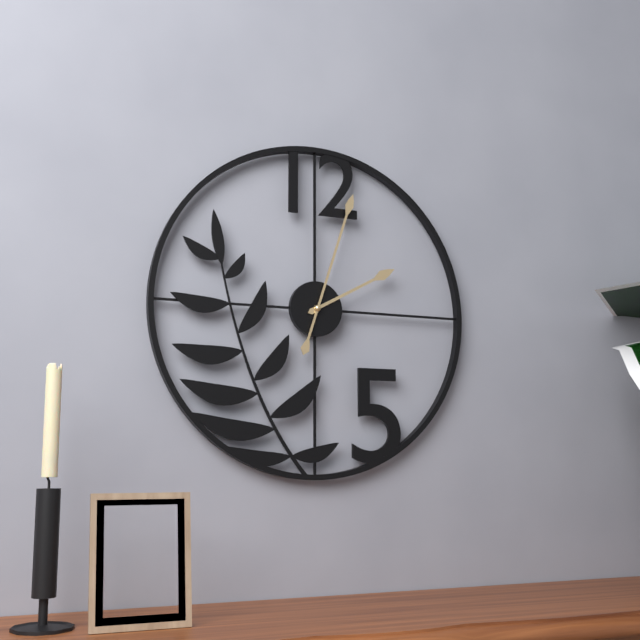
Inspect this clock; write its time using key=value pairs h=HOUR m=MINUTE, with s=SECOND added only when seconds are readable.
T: h=2 m=3
